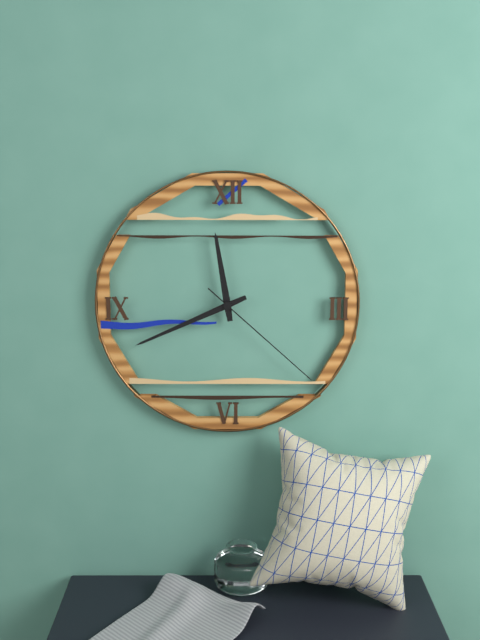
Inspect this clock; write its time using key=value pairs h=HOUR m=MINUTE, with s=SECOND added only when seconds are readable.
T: h=11 m=41 s=22
